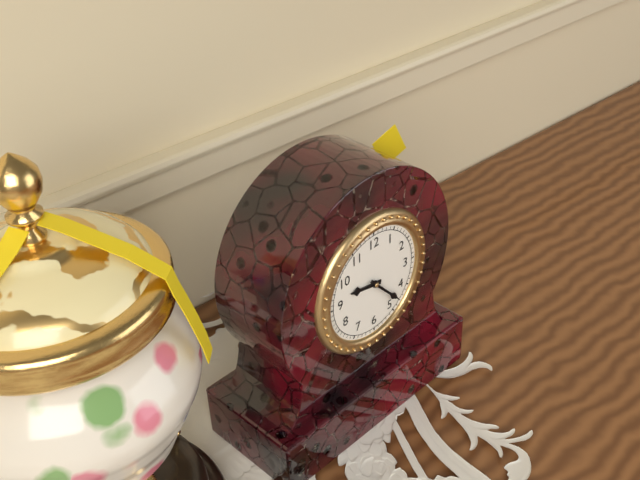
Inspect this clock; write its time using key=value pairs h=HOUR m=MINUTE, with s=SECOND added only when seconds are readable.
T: h=9 m=23
